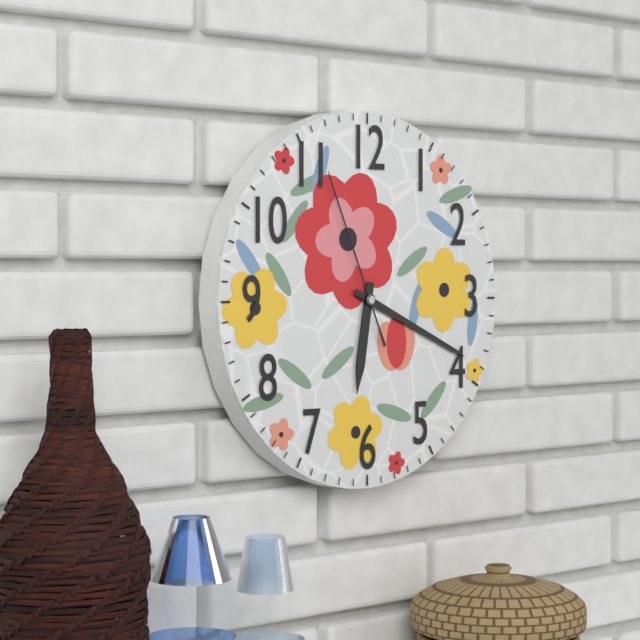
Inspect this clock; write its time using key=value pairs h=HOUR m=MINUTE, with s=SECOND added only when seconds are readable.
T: h=6 m=19 s=56
